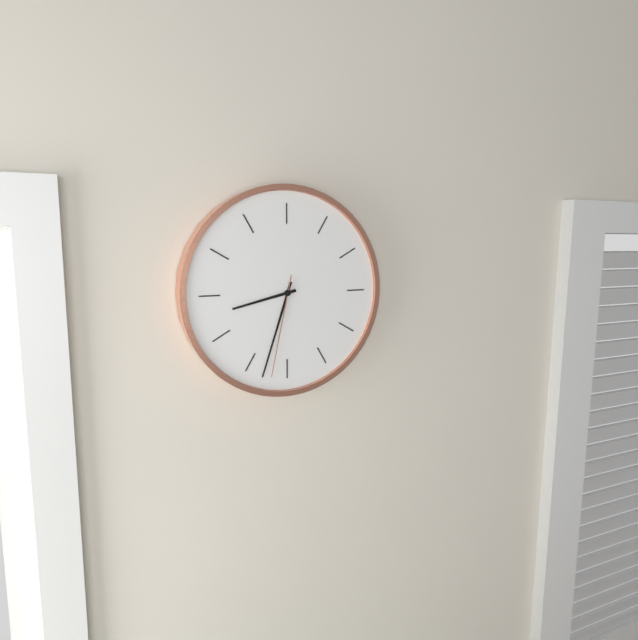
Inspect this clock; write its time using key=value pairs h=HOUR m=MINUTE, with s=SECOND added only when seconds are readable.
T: h=8 m=33 s=32
